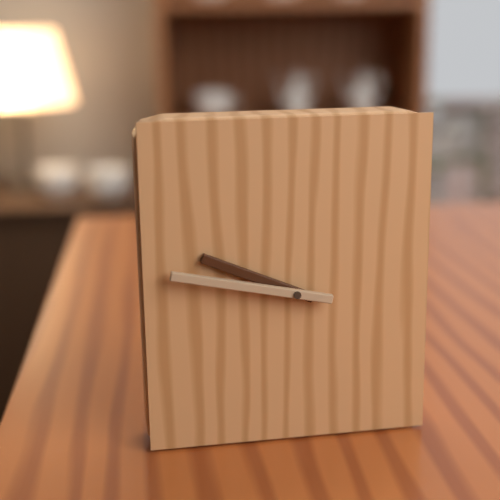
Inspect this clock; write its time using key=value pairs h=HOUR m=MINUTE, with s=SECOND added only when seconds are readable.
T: h=9 m=47
